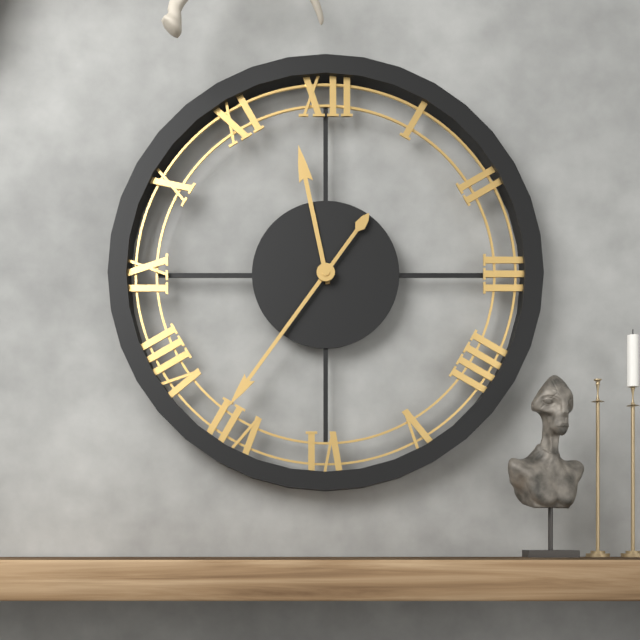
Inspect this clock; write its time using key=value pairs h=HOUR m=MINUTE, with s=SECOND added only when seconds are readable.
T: h=11 m=36
